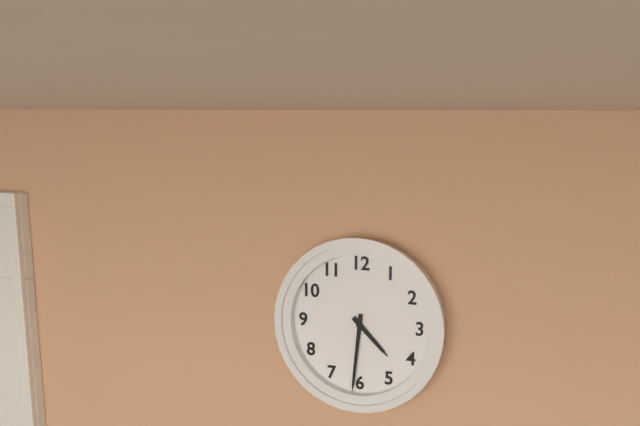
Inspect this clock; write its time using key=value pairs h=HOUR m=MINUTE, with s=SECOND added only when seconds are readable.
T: h=4 m=31
